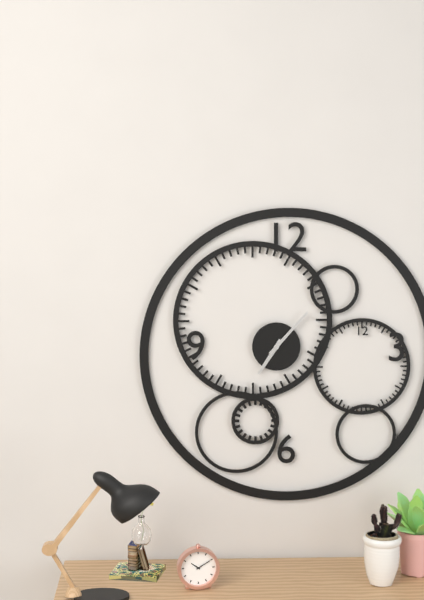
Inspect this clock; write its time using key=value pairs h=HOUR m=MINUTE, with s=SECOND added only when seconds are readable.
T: h=7 m=7
